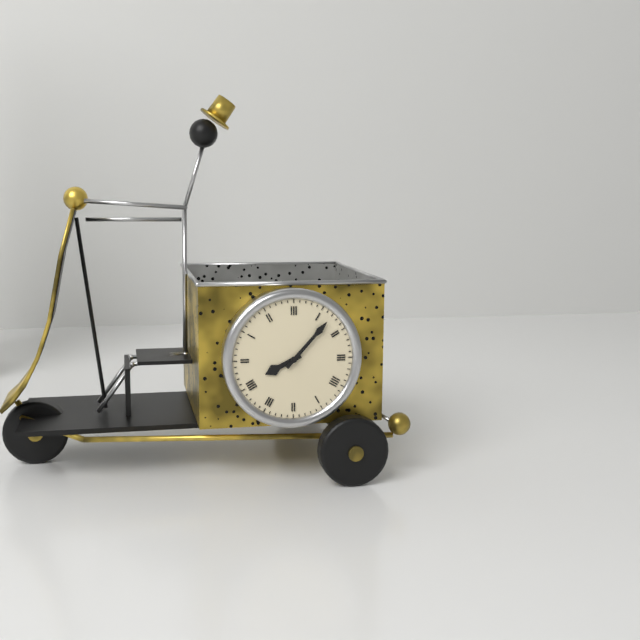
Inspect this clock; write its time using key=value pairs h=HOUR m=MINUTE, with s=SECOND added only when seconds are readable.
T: h=8 m=7
